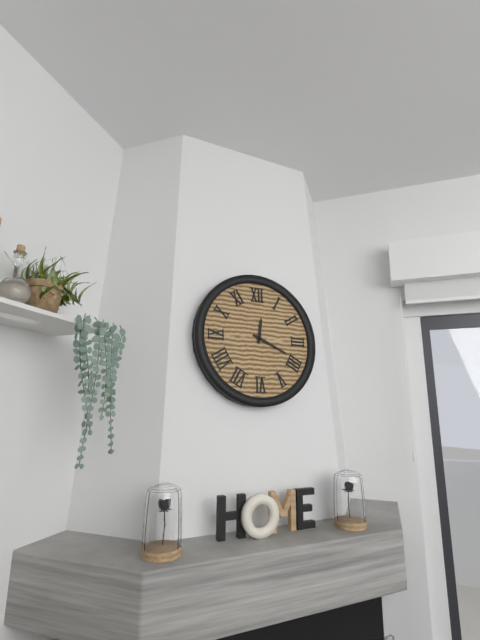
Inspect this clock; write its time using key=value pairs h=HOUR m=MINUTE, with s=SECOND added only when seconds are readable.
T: h=12 m=19
